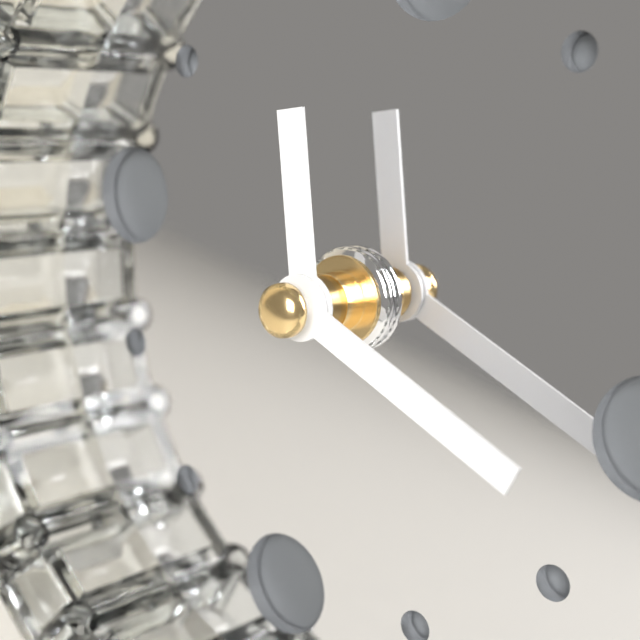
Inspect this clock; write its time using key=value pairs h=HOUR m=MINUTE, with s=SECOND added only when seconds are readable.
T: h=11 m=17
